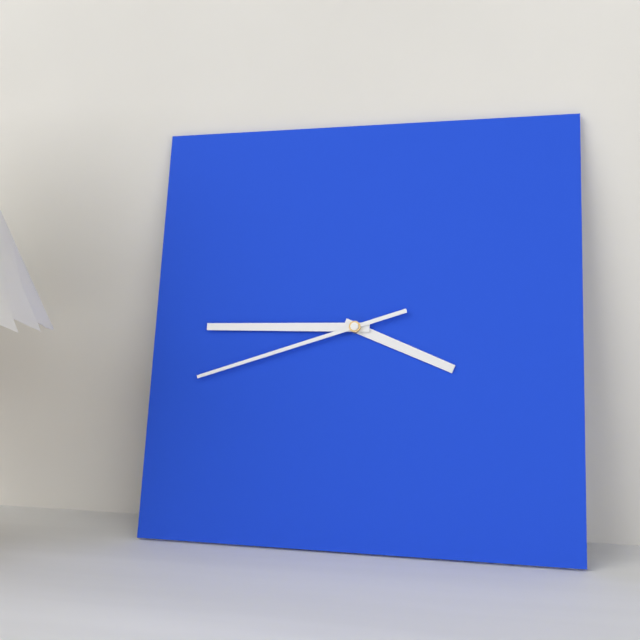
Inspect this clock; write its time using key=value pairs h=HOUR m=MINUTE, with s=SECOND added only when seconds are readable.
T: h=3 m=45 s=42
